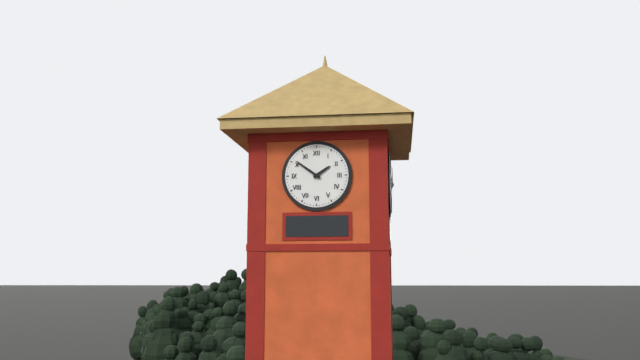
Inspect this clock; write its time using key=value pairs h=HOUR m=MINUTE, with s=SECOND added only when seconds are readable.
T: h=1 m=51
